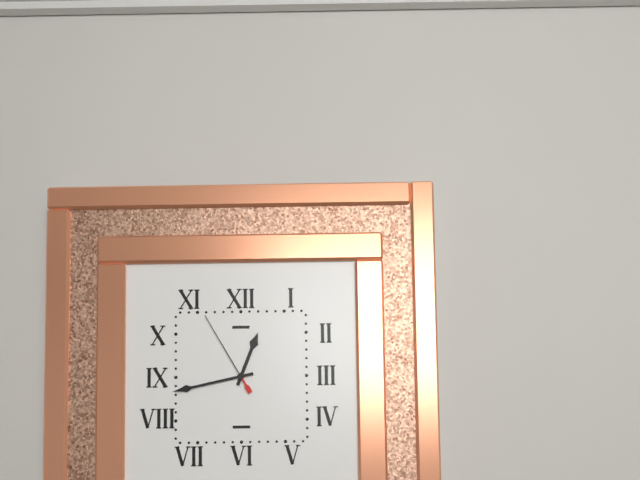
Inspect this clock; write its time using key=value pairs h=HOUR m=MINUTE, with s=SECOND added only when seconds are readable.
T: h=12 m=43 s=55
